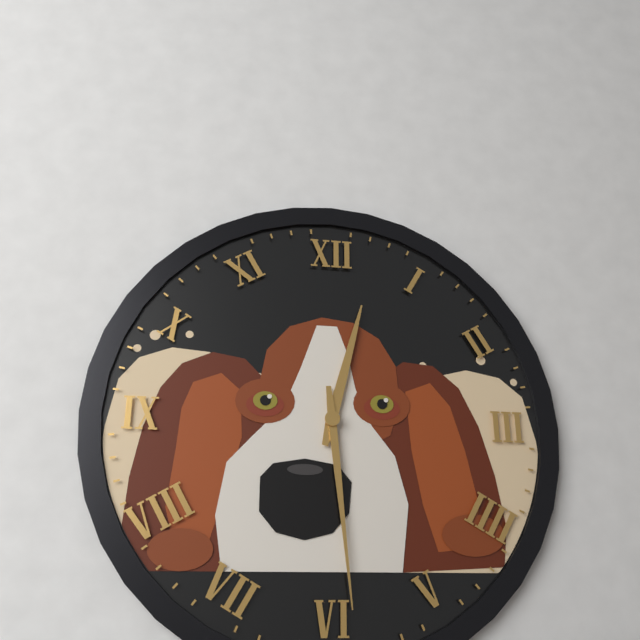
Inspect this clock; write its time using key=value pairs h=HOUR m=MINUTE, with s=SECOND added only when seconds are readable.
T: h=12 m=29
